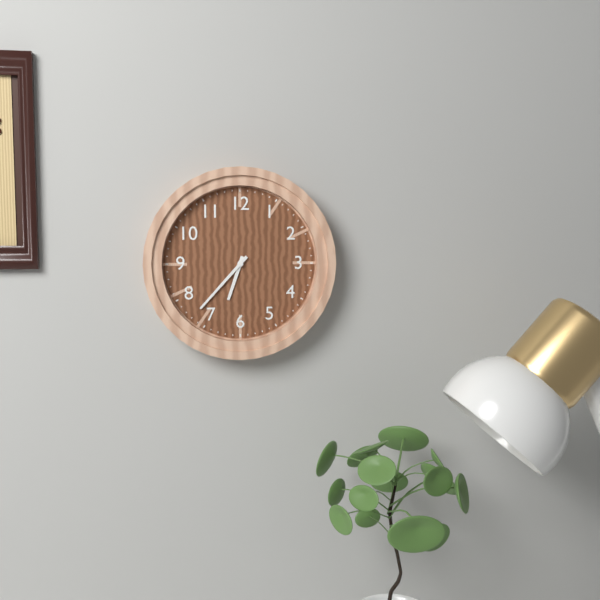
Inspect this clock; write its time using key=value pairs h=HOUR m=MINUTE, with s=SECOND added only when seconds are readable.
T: h=6 m=37
